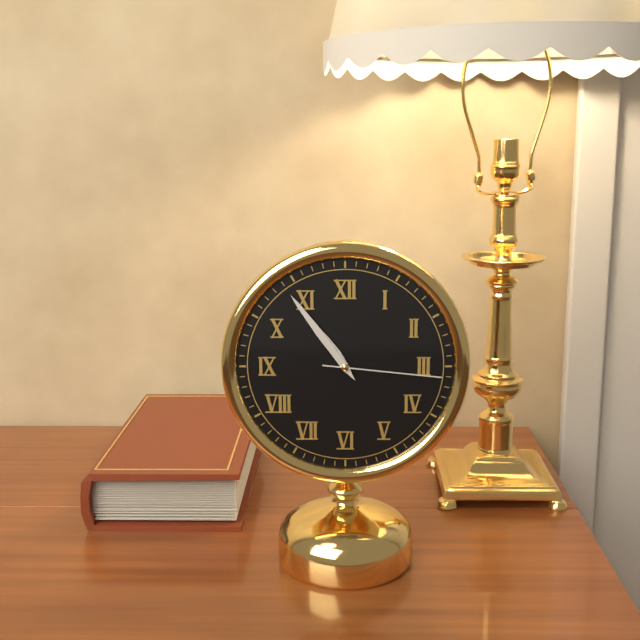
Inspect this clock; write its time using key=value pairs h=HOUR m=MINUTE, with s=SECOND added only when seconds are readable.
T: h=10 m=54 s=16
